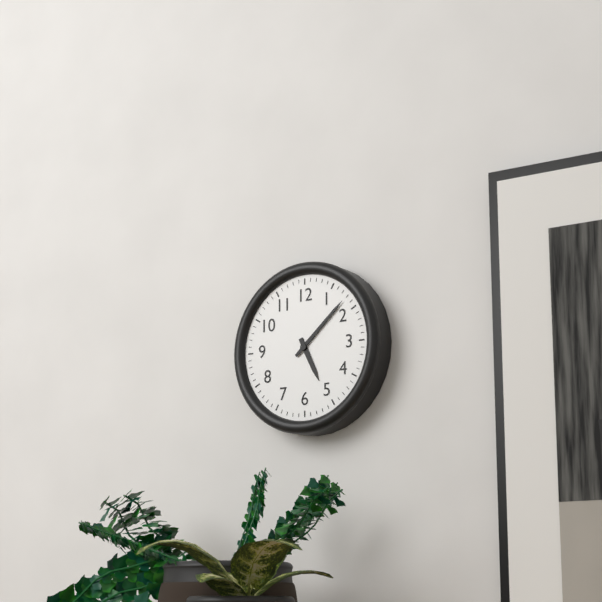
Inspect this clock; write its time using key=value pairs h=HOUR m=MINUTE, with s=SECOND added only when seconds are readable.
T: h=5 m=8
